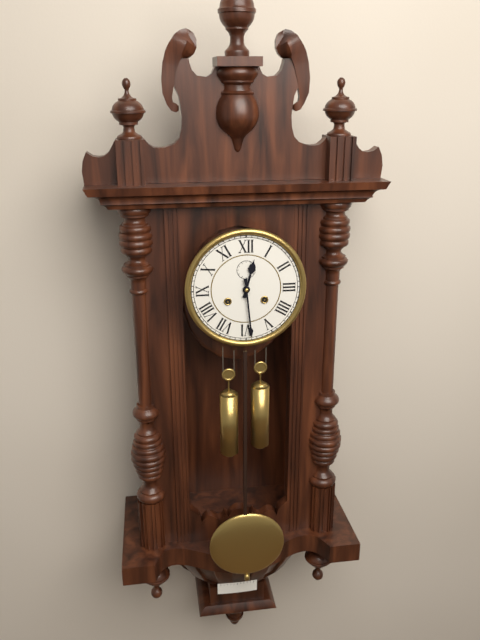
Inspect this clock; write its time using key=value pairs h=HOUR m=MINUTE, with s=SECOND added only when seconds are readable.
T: h=12 m=29
